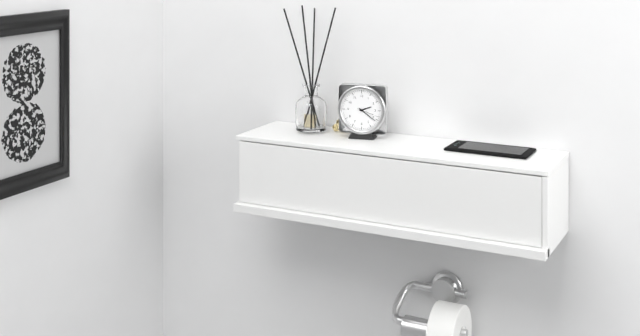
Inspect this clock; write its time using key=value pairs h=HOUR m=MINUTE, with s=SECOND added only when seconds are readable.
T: h=2 m=21
